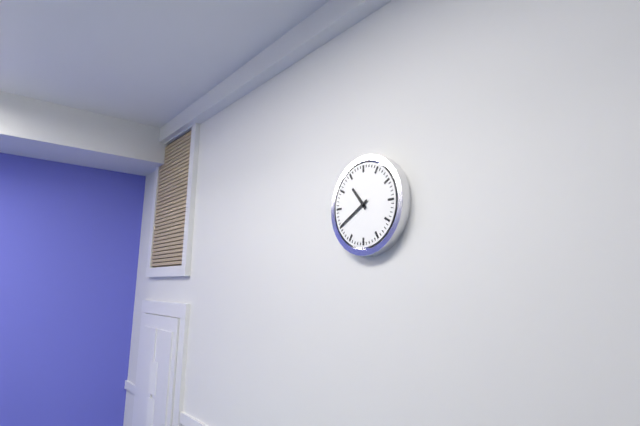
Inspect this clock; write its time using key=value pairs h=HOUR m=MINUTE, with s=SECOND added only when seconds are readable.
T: h=10 m=40
